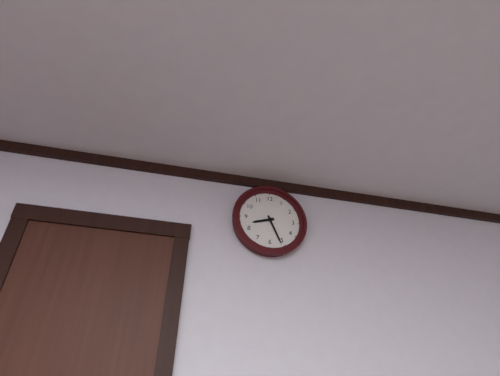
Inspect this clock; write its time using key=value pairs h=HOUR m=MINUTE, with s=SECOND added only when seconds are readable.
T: h=8 m=26
